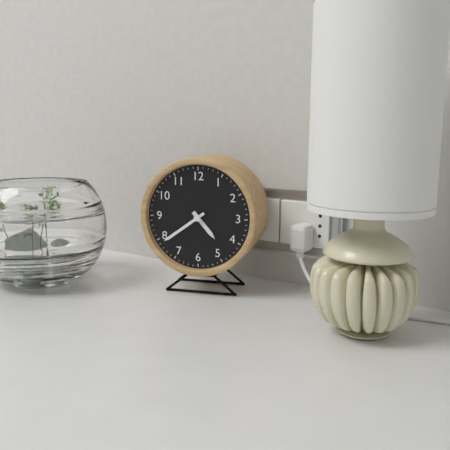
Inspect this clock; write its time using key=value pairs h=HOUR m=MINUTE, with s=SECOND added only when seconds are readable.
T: h=4 m=39
